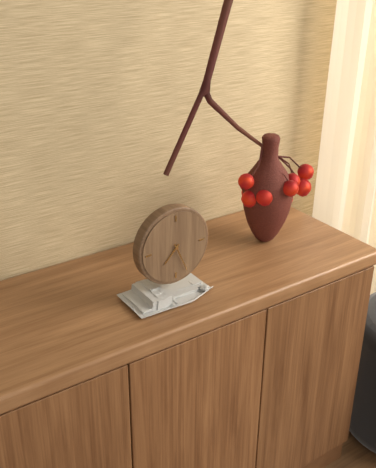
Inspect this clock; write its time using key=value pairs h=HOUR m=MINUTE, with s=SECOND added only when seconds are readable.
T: h=7 m=26
